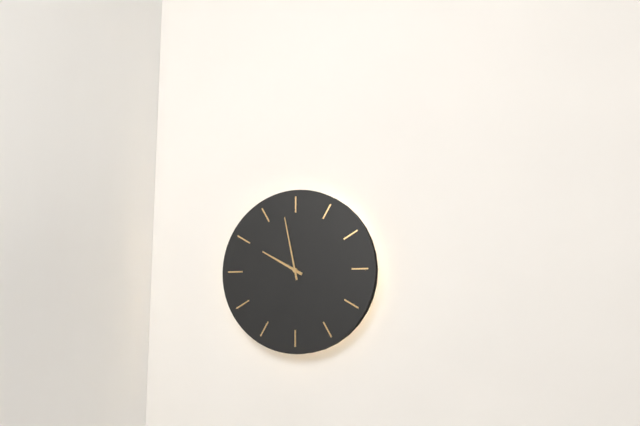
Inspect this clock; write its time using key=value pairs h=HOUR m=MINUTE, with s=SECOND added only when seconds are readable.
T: h=9 m=58
